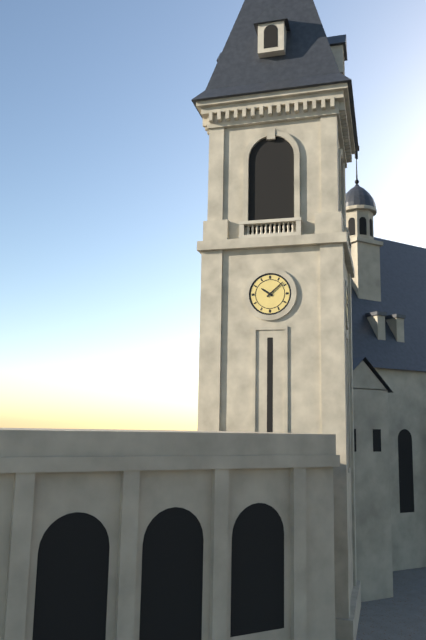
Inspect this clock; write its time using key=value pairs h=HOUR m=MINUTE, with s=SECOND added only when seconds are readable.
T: h=10 m=8
